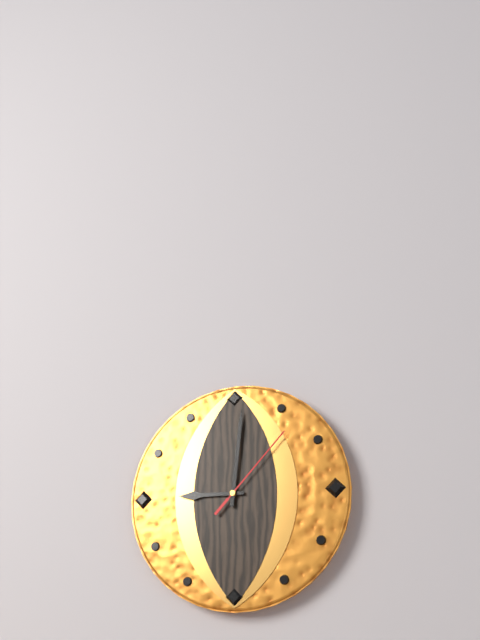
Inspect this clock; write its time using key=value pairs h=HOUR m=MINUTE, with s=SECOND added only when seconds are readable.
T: h=9 m=1 s=7
